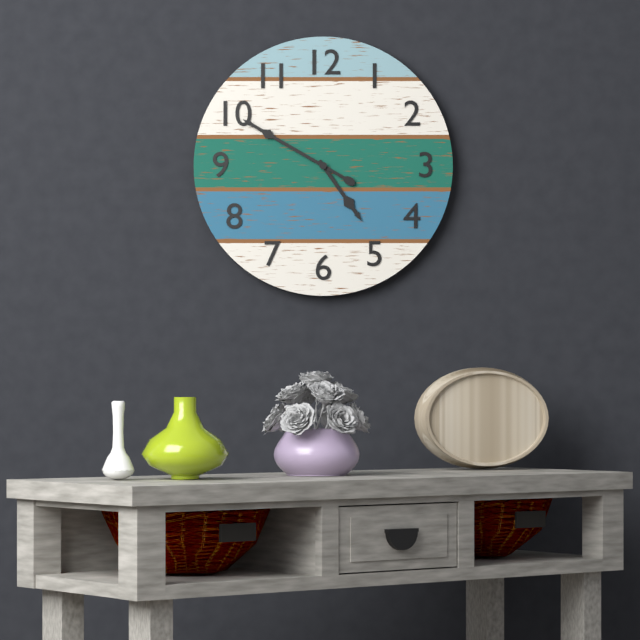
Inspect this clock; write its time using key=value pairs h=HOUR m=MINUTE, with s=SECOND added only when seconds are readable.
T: h=4 m=50
